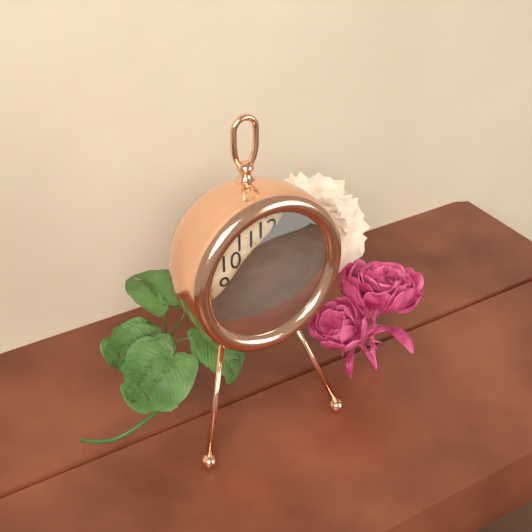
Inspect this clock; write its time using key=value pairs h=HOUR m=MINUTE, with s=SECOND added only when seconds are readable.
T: h=12 m=21
